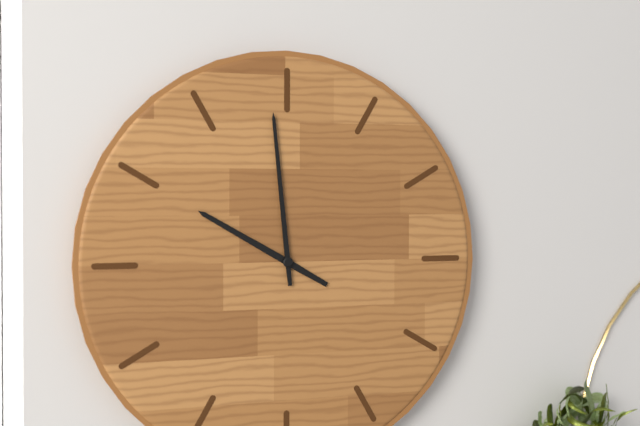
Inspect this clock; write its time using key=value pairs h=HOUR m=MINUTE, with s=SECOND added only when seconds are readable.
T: h=9 m=59
